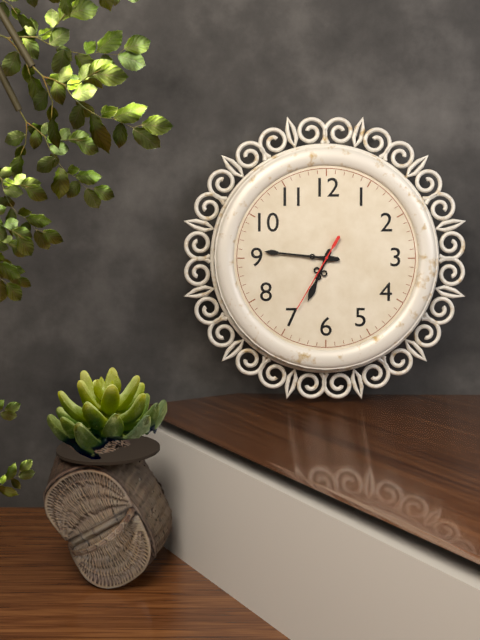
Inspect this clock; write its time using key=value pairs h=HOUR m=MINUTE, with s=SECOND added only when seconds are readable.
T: h=6 m=46 s=35
